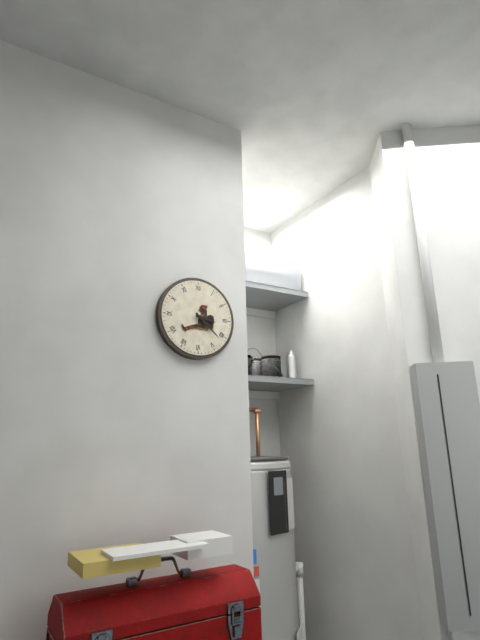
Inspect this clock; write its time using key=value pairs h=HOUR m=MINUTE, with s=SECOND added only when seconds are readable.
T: h=3 m=22
